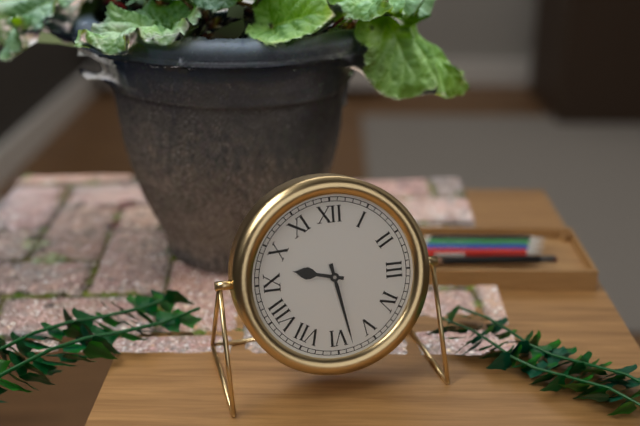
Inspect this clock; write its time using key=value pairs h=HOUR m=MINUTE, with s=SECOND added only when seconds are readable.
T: h=9 m=28
